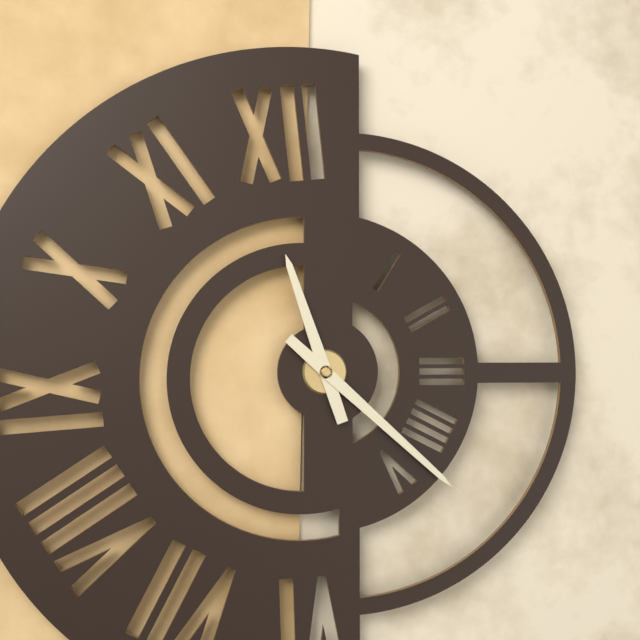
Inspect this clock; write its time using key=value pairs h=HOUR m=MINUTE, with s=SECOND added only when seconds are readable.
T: h=11 m=22
